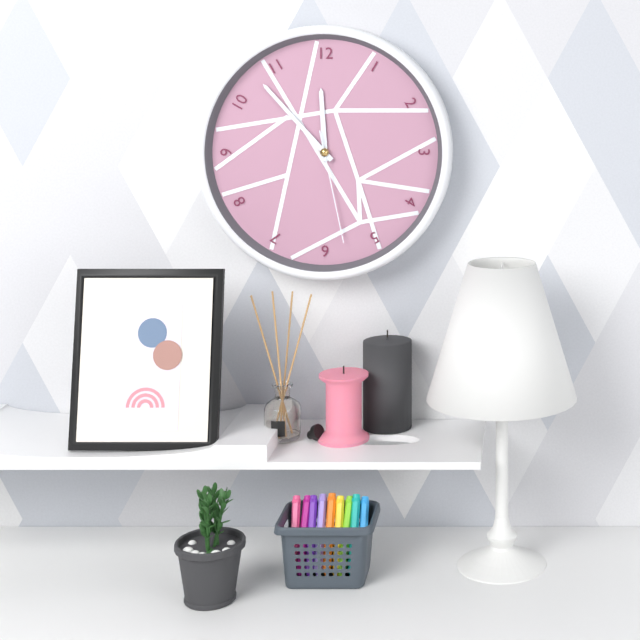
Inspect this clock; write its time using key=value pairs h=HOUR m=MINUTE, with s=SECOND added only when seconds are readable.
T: h=11 m=53 s=28
